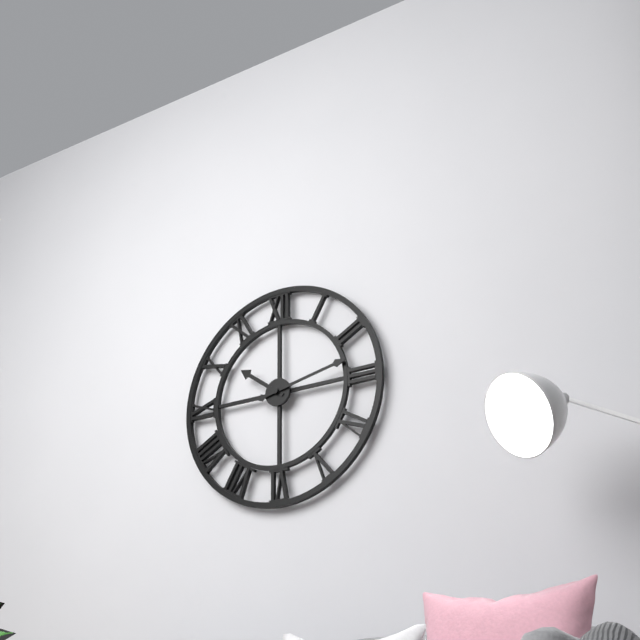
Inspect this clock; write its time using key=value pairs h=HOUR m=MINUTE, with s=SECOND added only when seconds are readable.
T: h=10 m=13
